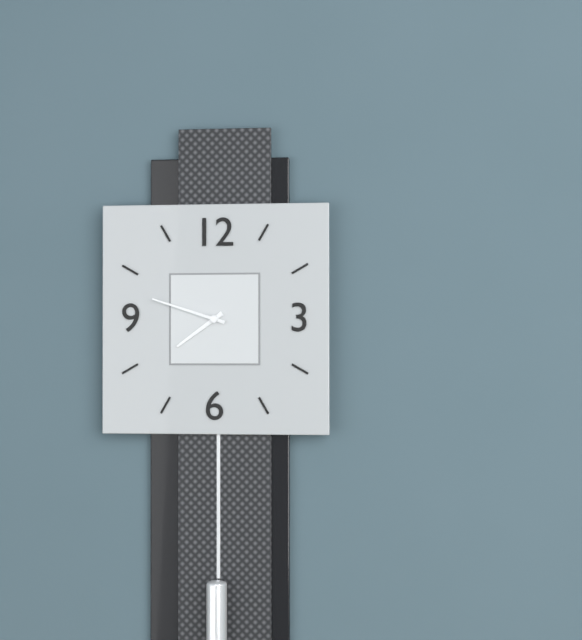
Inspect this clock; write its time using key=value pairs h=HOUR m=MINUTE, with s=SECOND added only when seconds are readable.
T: h=7 m=48
